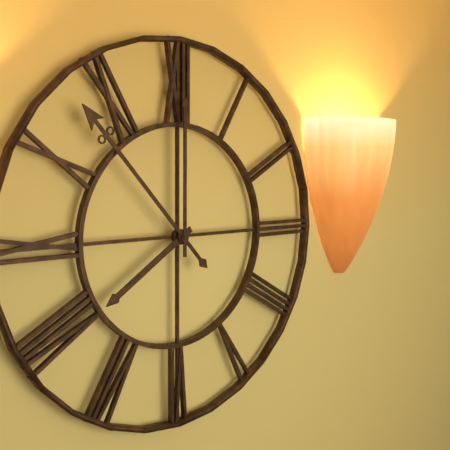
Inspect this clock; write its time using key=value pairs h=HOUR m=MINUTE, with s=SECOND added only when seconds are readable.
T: h=7 m=53 s=0
